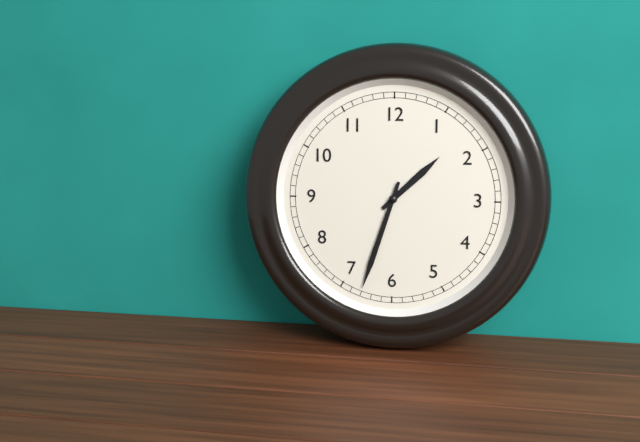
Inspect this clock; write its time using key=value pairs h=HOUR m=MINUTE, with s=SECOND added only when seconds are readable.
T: h=1 m=33
